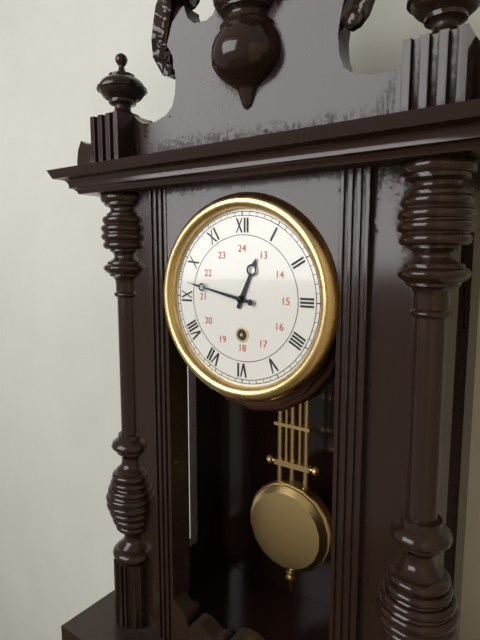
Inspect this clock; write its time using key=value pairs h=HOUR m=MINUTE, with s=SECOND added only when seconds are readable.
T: h=12 m=47
